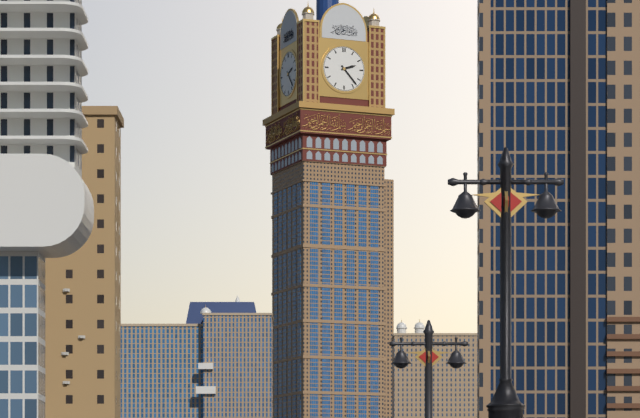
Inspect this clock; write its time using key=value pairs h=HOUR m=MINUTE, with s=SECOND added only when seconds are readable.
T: h=2 m=23
